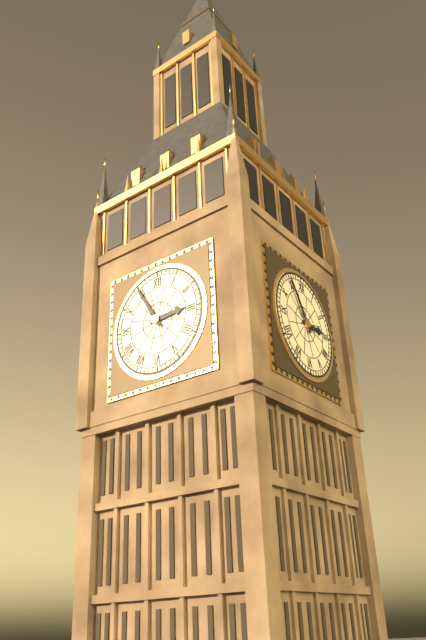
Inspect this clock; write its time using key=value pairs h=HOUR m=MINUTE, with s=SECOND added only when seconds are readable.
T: h=2 m=55
